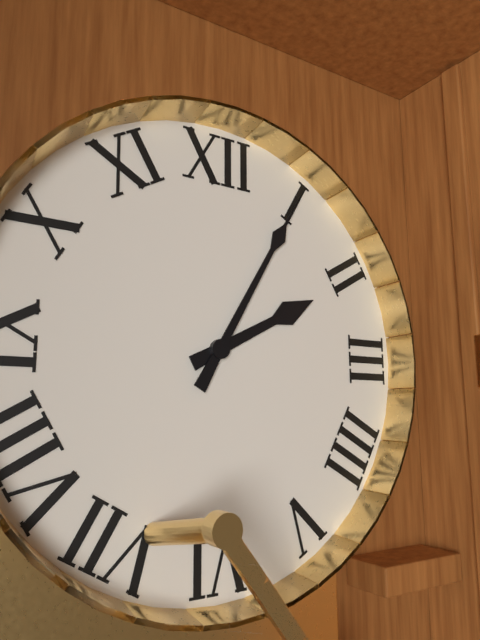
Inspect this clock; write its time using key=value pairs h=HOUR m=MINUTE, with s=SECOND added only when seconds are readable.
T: h=2 m=5
